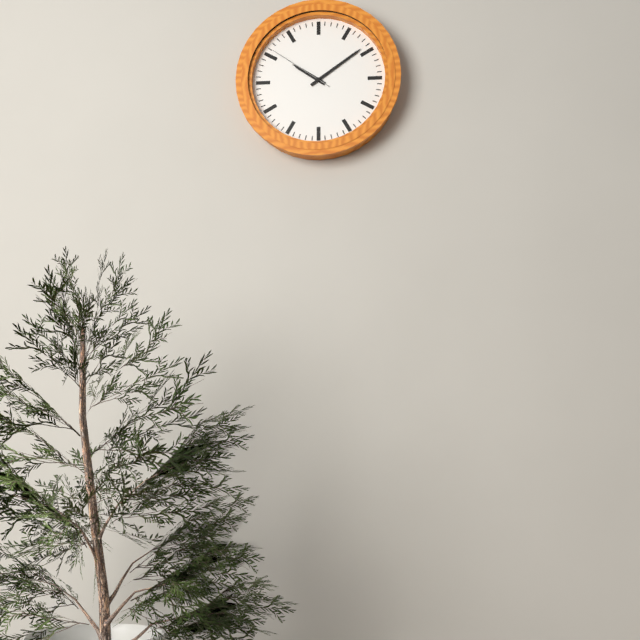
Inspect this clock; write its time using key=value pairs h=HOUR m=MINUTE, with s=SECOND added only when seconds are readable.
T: h=10 m=9 s=51
